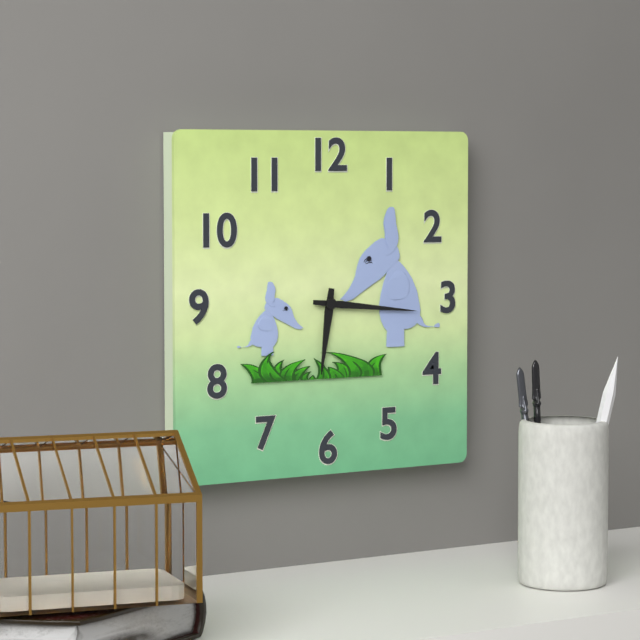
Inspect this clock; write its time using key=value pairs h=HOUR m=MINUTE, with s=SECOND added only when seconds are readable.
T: h=6 m=16
